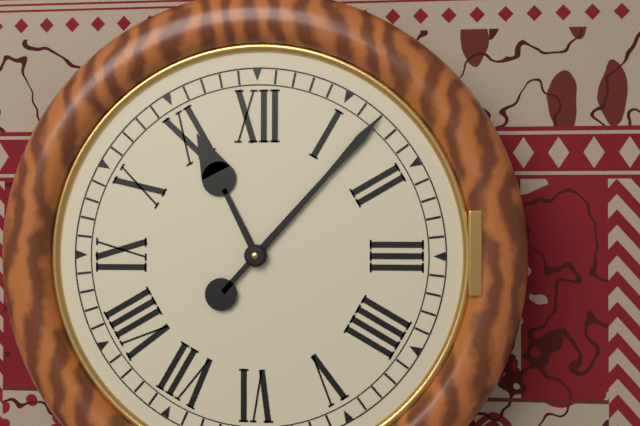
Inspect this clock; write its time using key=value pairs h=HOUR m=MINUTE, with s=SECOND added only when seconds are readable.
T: h=11 m=7
